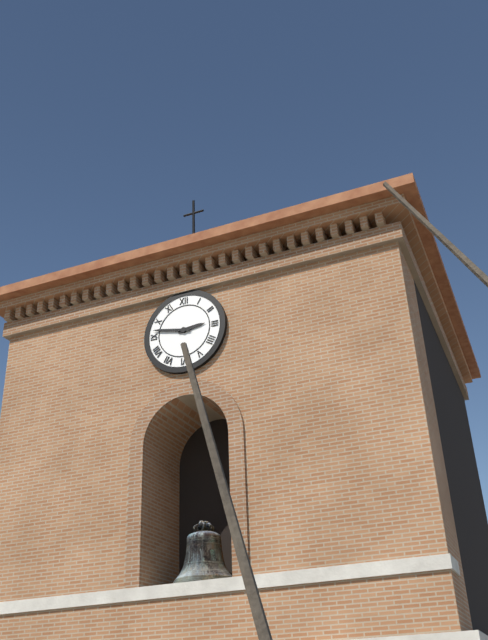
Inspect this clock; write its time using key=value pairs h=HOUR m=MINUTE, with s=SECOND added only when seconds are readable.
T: h=2 m=47
